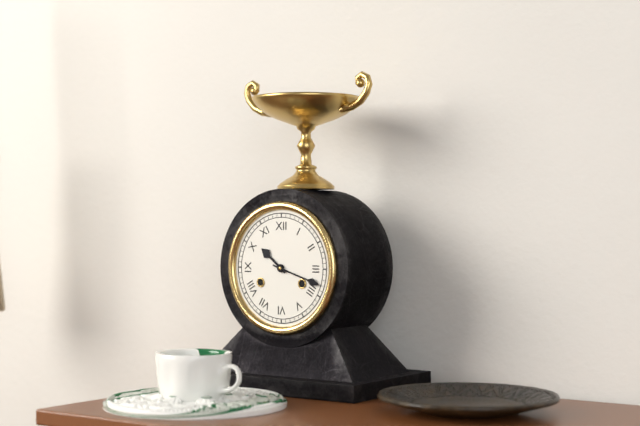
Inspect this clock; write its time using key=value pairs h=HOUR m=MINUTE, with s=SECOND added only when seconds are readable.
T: h=10 m=18
